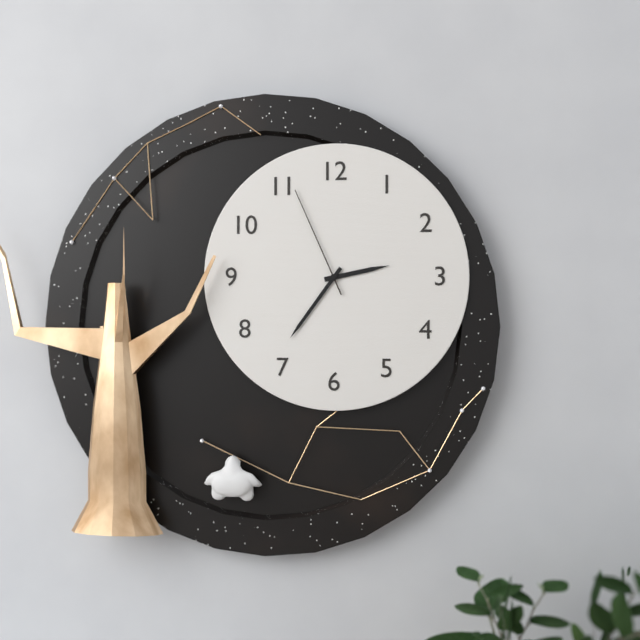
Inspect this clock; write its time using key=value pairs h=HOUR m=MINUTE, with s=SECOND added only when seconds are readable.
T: h=2 m=36 s=56
